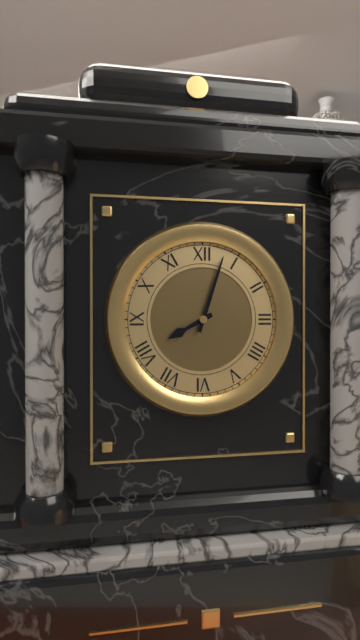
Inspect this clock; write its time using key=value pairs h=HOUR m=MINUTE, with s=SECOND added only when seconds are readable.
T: h=8 m=3
